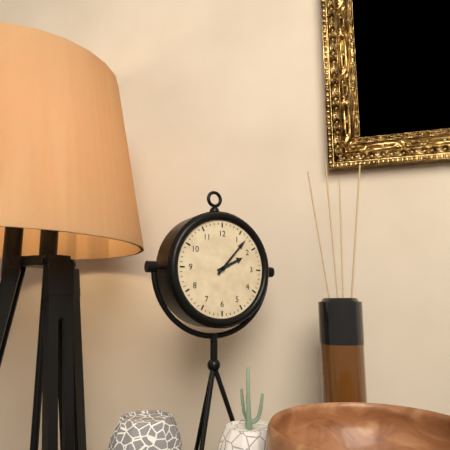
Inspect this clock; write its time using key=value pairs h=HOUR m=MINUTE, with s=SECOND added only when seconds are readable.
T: h=2 m=7
